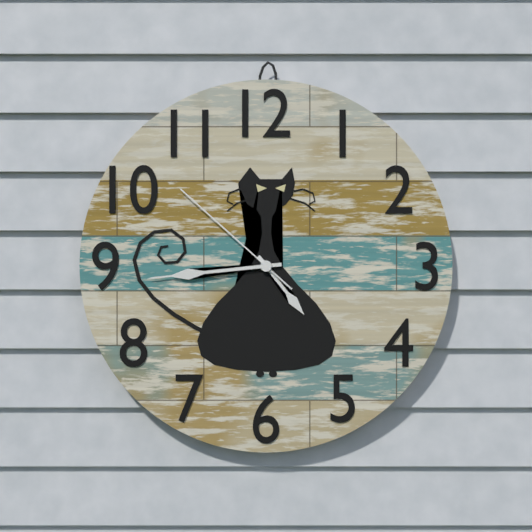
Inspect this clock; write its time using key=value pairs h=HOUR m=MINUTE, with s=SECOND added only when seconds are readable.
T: h=4 m=44 s=52
